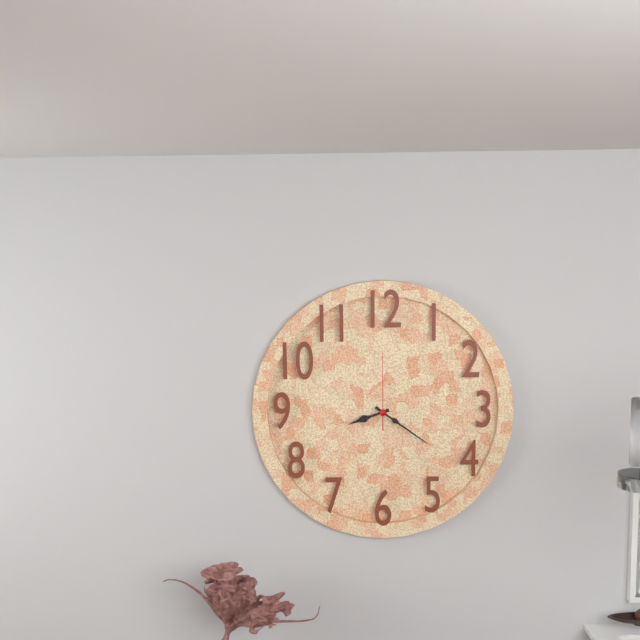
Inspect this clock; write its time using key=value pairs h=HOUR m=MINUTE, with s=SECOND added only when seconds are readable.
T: h=8 m=21 s=0
